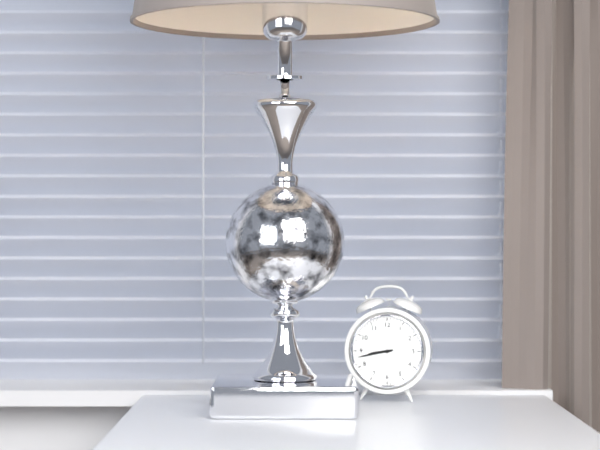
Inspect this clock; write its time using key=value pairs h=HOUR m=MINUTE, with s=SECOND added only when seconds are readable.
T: h=8 m=43
